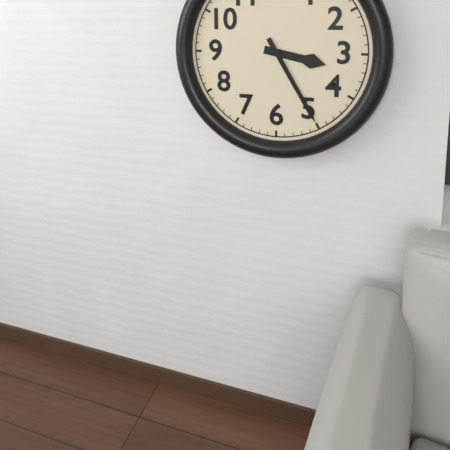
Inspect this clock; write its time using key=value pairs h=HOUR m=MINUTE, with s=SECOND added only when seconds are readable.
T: h=3 m=25
